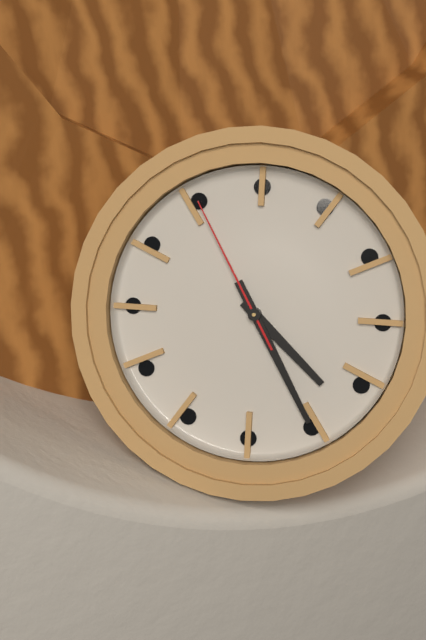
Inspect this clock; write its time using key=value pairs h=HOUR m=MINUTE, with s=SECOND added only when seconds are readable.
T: h=4 m=25 s=55
